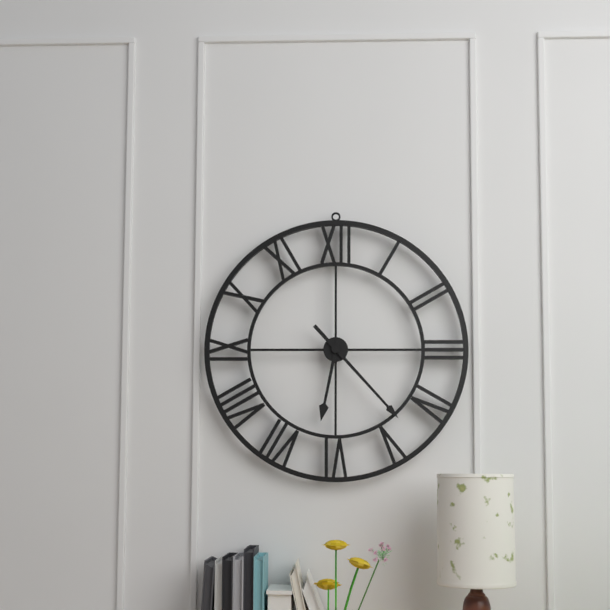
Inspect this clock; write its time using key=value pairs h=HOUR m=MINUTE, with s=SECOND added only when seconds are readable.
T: h=6 m=23
